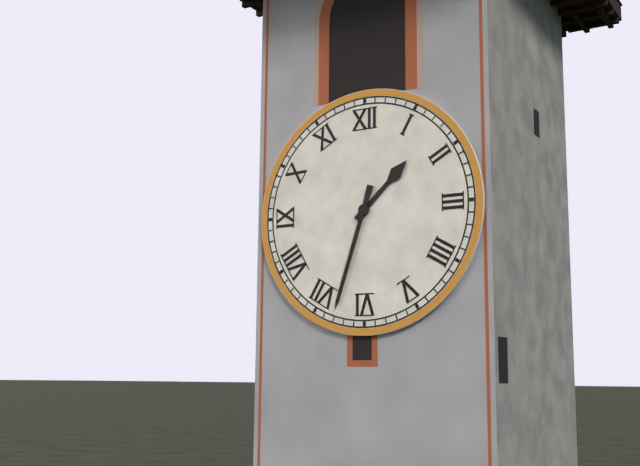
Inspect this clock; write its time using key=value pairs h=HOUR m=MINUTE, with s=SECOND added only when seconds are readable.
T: h=1 m=33
